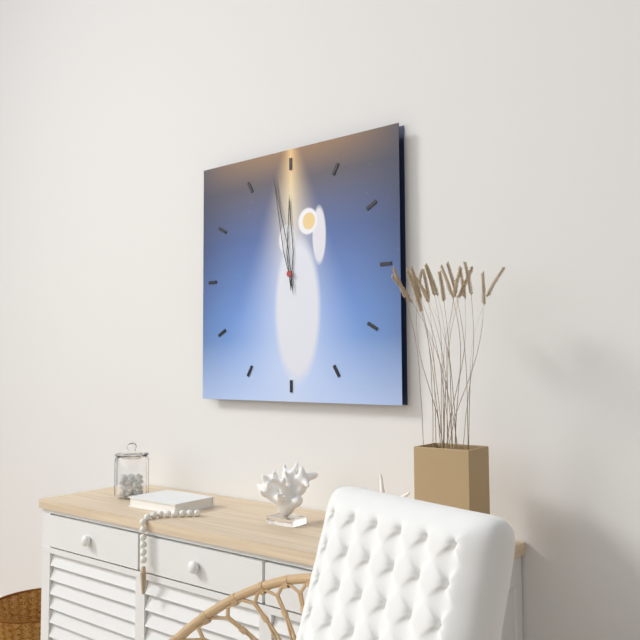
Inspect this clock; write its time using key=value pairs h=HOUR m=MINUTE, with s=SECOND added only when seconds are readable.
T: h=11 m=58
